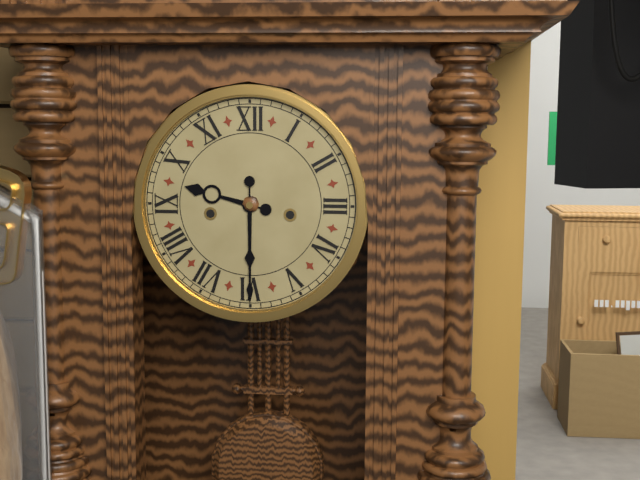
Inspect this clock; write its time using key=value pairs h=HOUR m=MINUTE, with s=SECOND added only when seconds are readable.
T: h=9 m=30
